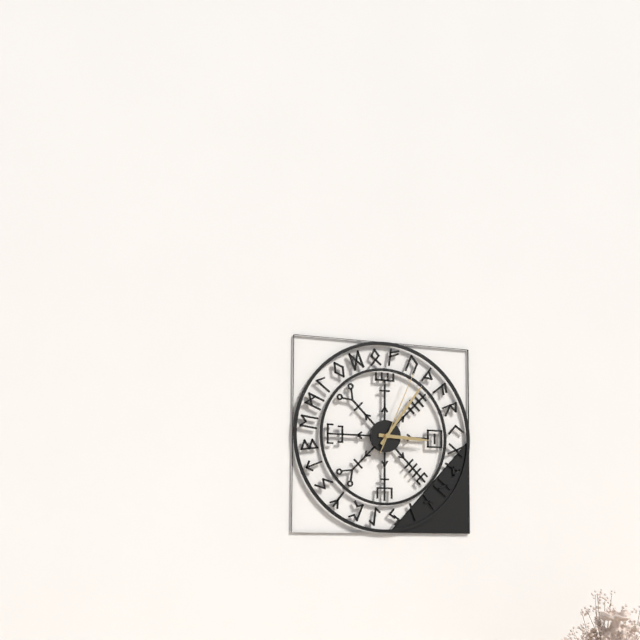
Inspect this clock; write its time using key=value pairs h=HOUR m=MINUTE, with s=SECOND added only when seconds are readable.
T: h=3 m=6 s=4
